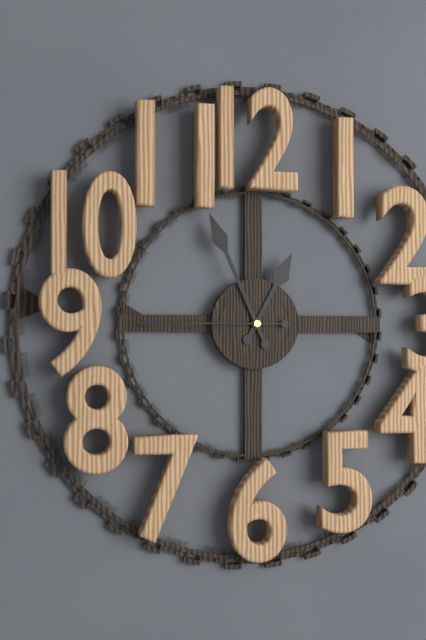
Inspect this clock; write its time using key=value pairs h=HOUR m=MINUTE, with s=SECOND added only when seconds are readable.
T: h=12 m=56 s=45
